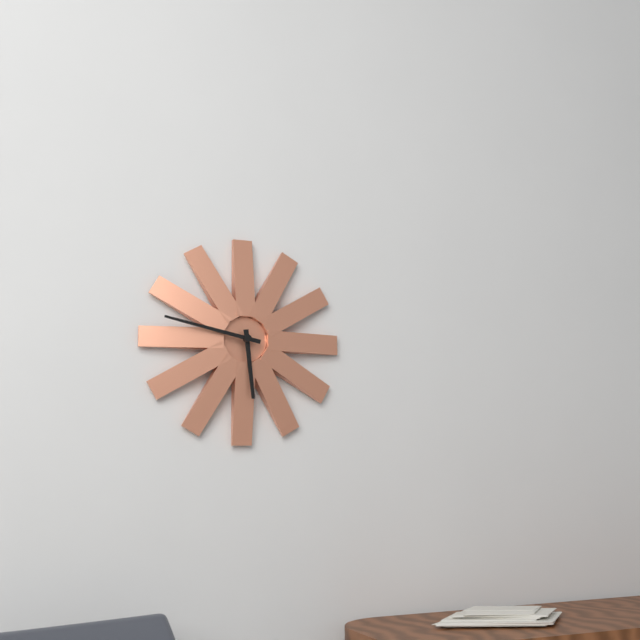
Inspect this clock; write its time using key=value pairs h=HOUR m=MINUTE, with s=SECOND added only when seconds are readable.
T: h=5 m=47
